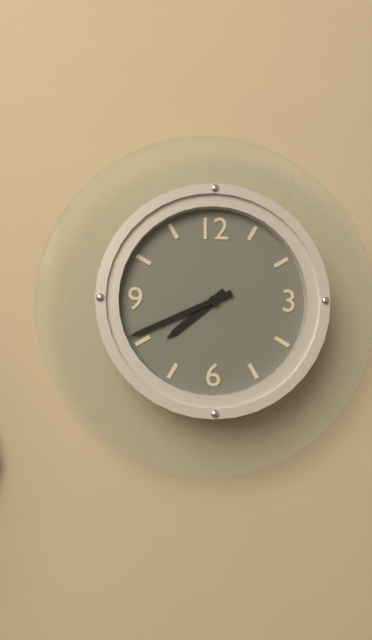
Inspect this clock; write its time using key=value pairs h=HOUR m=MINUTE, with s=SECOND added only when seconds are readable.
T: h=7 m=41
